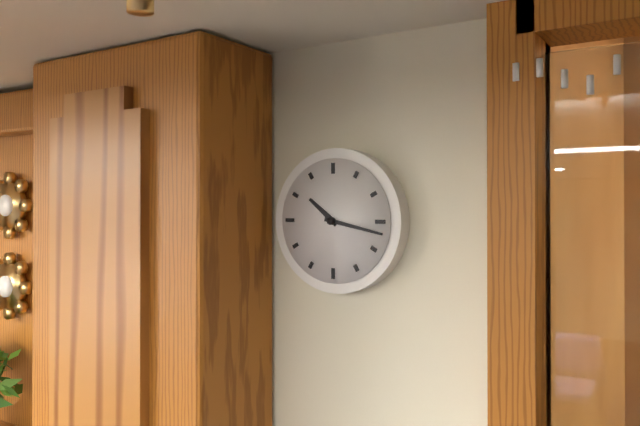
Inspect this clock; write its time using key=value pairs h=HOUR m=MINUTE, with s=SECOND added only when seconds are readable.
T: h=10 m=17
